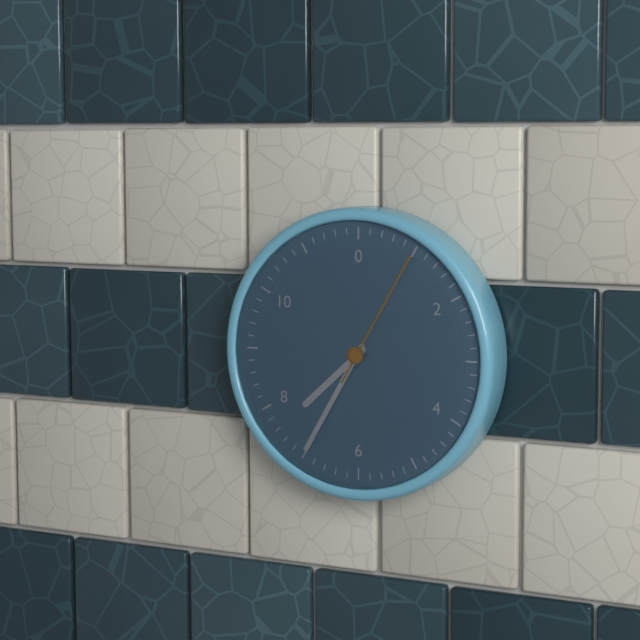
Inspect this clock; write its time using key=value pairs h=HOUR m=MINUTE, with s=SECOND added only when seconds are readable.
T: h=7 m=35 s=5
